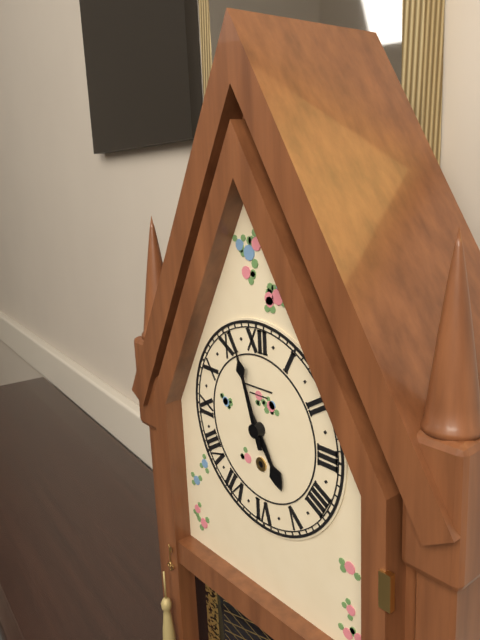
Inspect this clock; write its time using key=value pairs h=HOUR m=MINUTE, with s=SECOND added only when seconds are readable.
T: h=4 m=57
